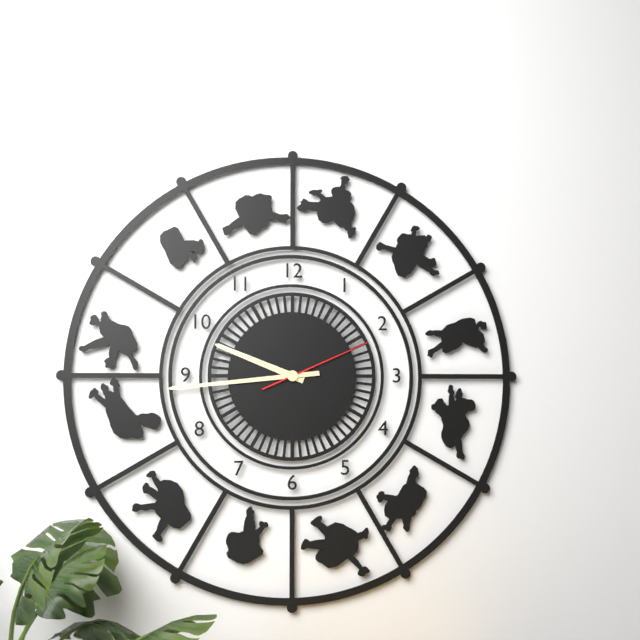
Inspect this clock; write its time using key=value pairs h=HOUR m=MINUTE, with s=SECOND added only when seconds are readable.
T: h=9 m=44 s=11
